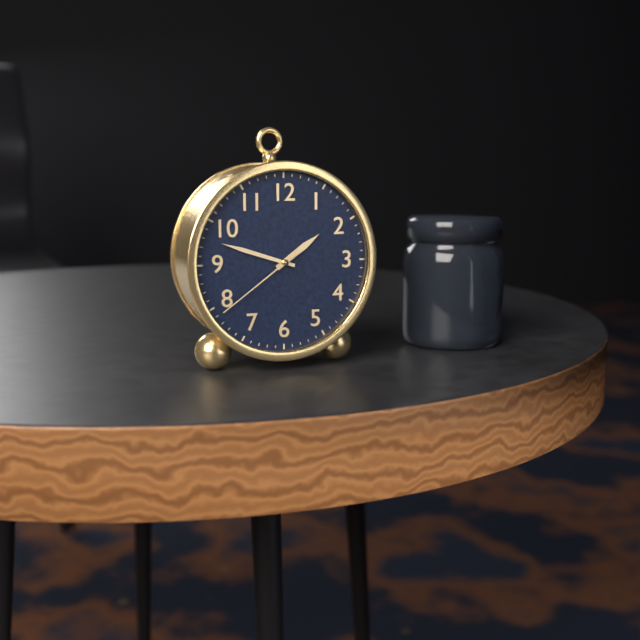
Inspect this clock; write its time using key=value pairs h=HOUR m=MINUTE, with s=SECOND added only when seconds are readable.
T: h=1 m=48 s=39
